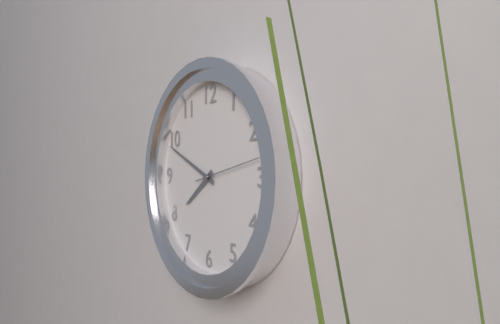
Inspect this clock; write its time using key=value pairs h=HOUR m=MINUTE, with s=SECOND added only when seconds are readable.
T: h=7 m=49 s=13
